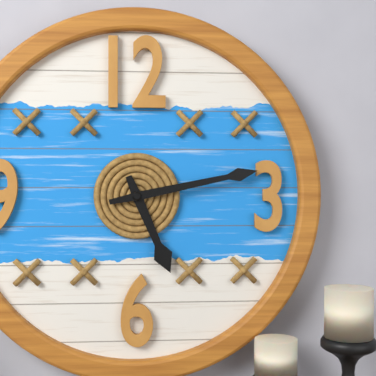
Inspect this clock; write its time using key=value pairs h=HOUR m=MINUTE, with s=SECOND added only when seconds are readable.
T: h=5 m=13
